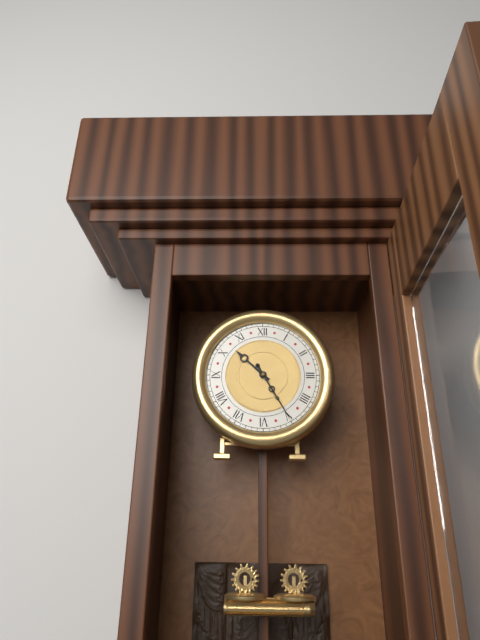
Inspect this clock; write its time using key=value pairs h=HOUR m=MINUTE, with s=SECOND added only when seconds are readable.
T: h=10 m=25
